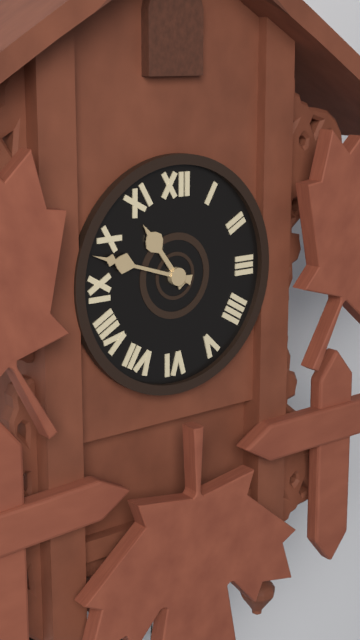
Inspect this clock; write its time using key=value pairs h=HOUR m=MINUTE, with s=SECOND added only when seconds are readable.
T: h=10 m=48
